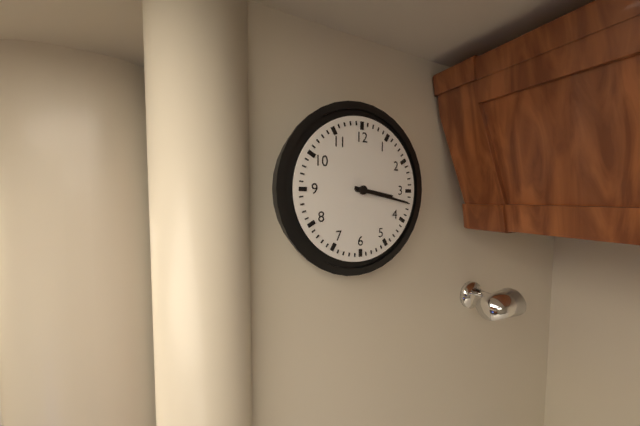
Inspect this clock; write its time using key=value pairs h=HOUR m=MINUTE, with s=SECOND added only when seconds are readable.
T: h=3 m=17
